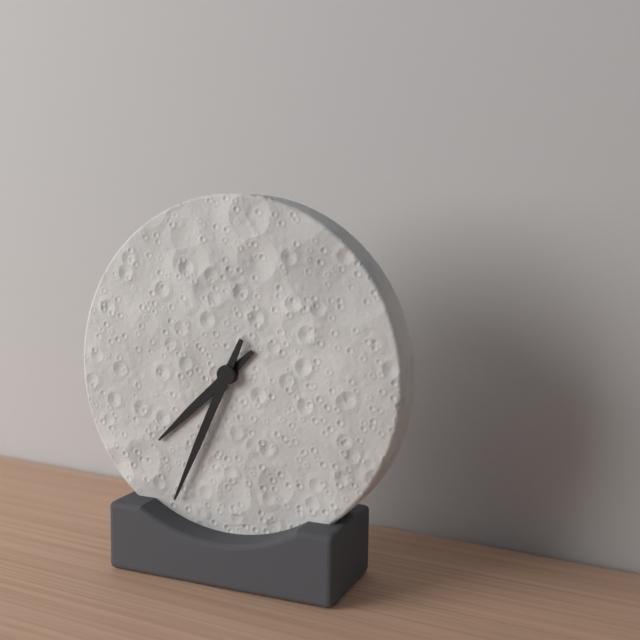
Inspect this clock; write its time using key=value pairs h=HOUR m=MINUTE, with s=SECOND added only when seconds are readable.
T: h=7 m=34
